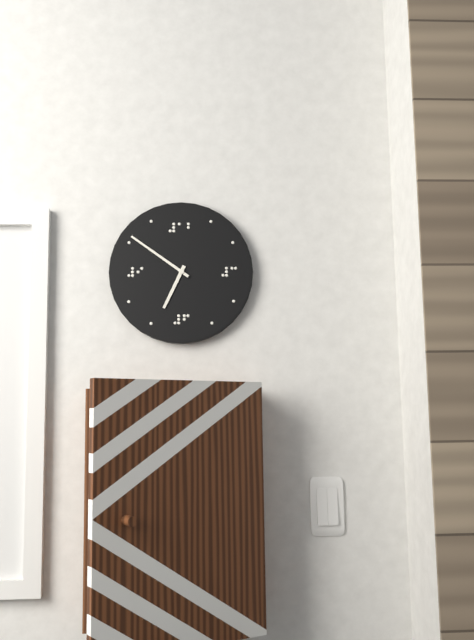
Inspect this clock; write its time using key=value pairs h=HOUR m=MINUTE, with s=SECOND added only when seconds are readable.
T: h=6 m=51
